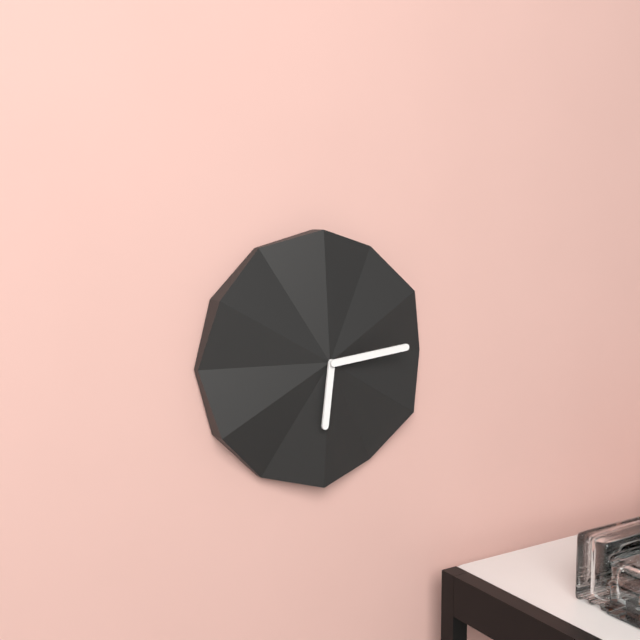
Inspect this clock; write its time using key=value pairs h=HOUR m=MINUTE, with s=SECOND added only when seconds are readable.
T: h=6 m=14
